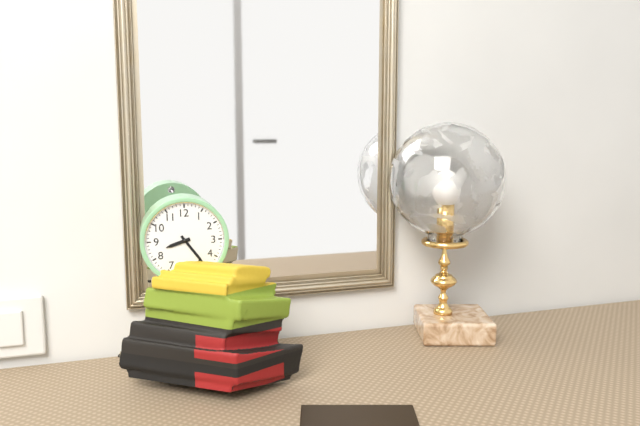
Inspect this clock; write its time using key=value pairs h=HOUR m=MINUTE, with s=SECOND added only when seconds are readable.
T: h=8 m=24
